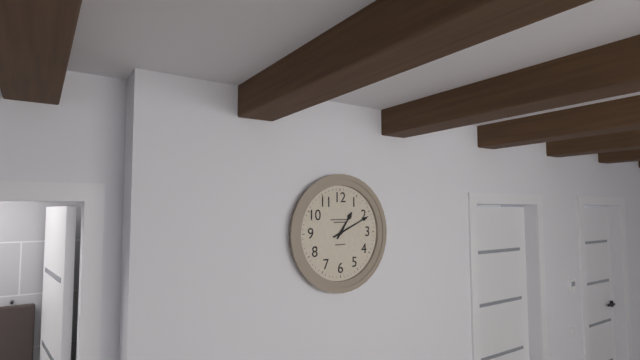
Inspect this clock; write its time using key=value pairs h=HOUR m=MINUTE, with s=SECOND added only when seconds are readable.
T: h=1 m=11
